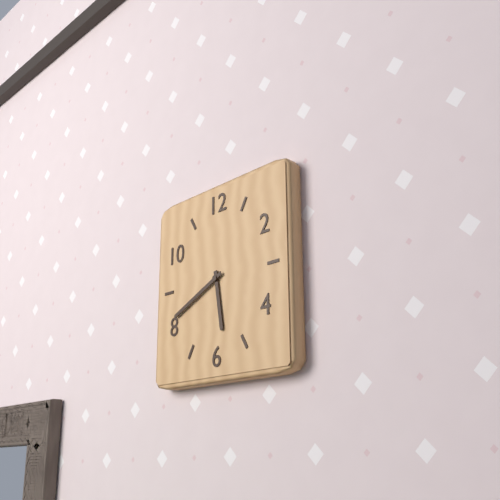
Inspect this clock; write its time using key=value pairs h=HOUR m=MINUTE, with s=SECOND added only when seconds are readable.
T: h=5 m=41
